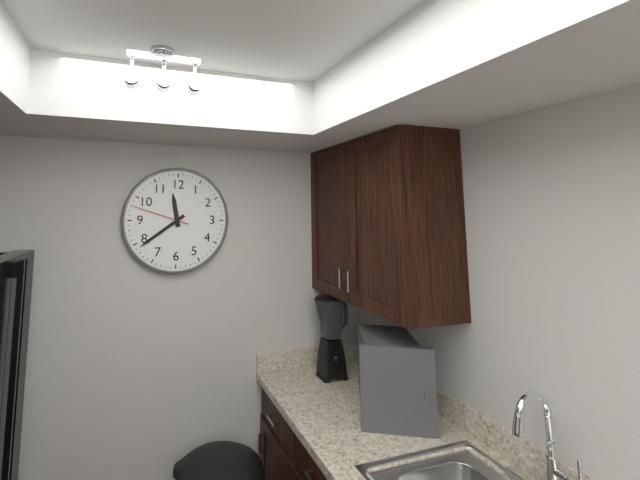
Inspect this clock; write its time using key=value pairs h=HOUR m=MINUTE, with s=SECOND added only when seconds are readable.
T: h=11 m=39 s=48
